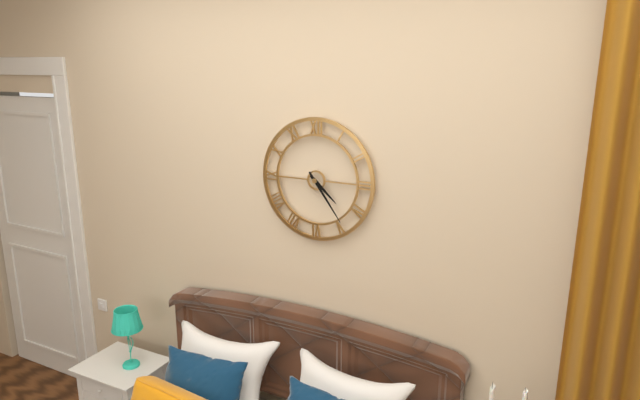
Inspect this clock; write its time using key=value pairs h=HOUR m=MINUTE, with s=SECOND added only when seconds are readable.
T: h=4 m=24
